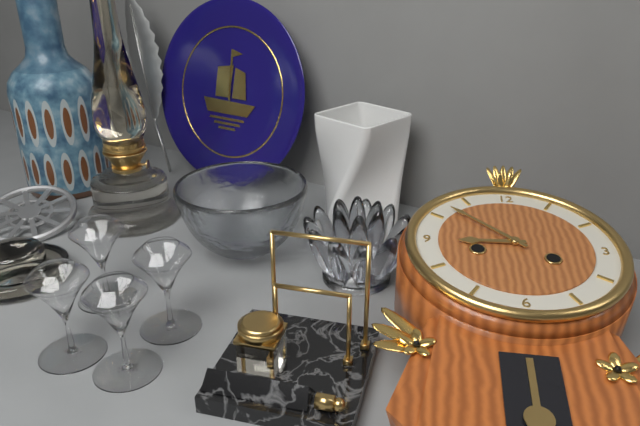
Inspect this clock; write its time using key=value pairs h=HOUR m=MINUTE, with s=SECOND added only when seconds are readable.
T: h=8 m=52
